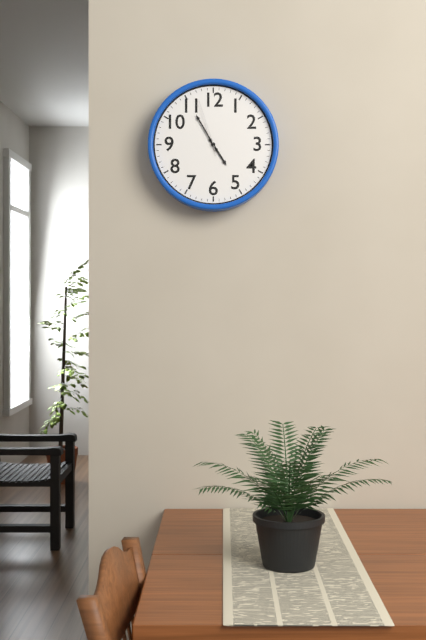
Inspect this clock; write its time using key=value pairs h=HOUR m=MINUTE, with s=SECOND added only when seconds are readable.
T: h=4 m=55 s=57
